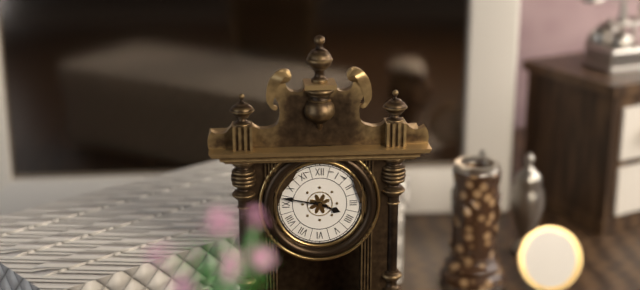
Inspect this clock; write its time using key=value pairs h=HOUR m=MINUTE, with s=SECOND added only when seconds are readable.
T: h=3 m=47
